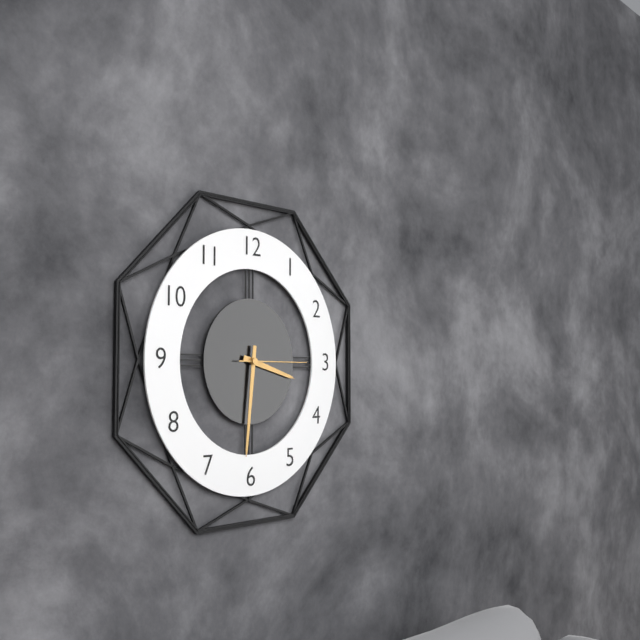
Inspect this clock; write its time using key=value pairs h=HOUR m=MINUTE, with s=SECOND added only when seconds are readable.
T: h=3 m=31 s=15
